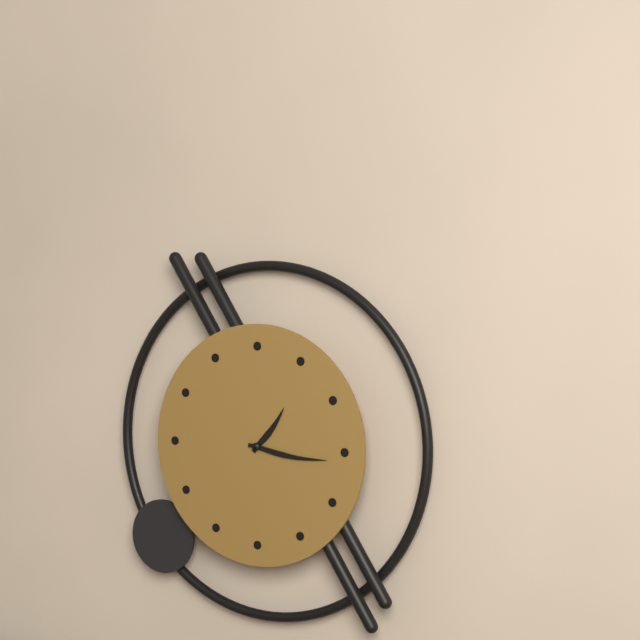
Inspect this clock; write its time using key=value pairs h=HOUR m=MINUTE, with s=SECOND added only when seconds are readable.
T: h=1 m=16
